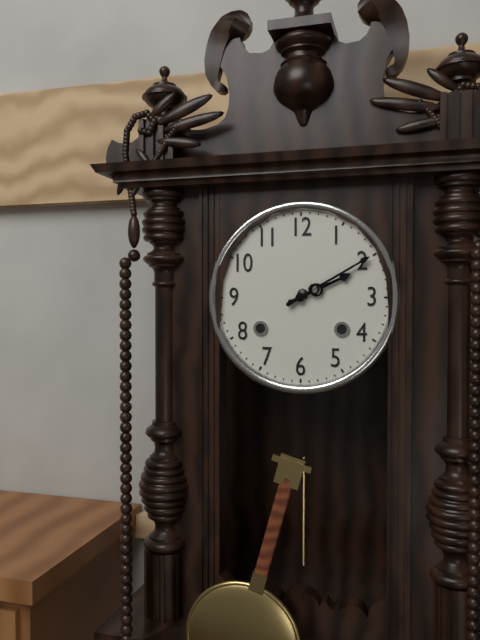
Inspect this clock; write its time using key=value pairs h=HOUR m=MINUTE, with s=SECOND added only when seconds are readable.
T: h=2 m=10
